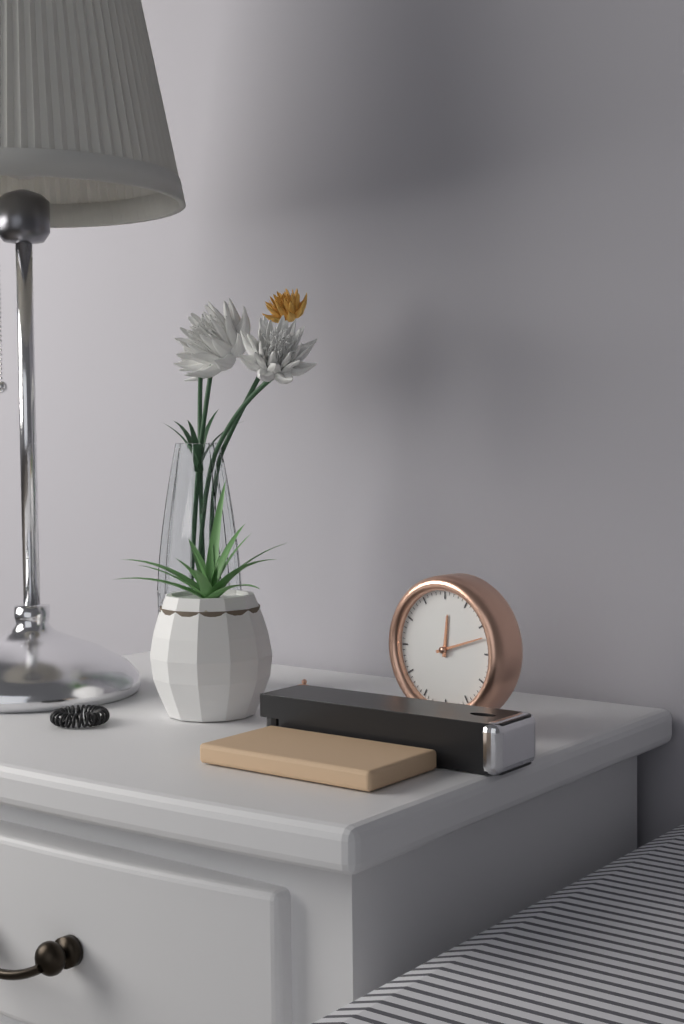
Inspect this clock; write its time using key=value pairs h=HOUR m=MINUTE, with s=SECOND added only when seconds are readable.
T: h=12 m=12
